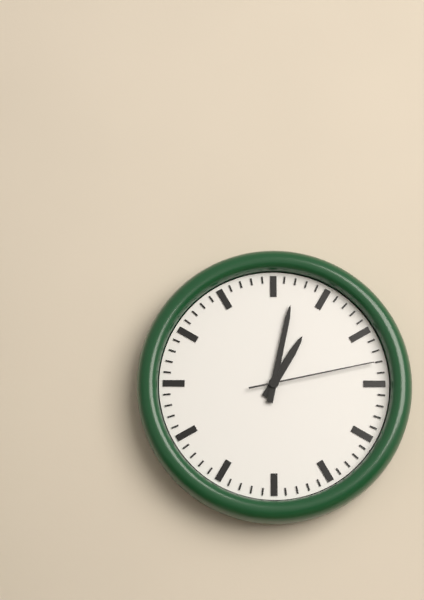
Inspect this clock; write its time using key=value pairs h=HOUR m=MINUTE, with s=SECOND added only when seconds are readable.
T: h=1 m=2 s=13
